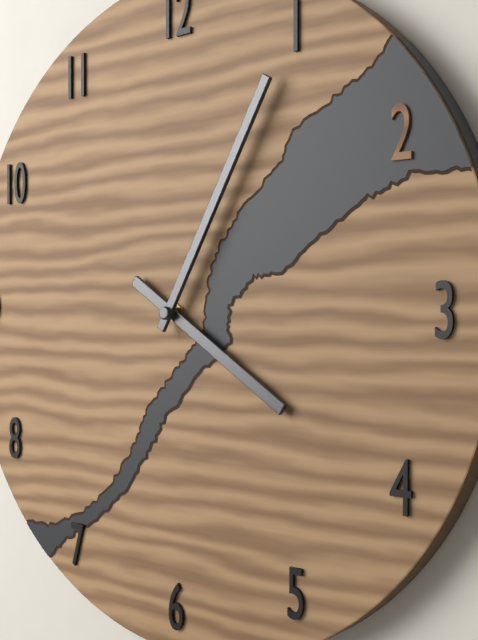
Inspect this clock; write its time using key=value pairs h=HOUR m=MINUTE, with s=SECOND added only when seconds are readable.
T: h=4 m=5
